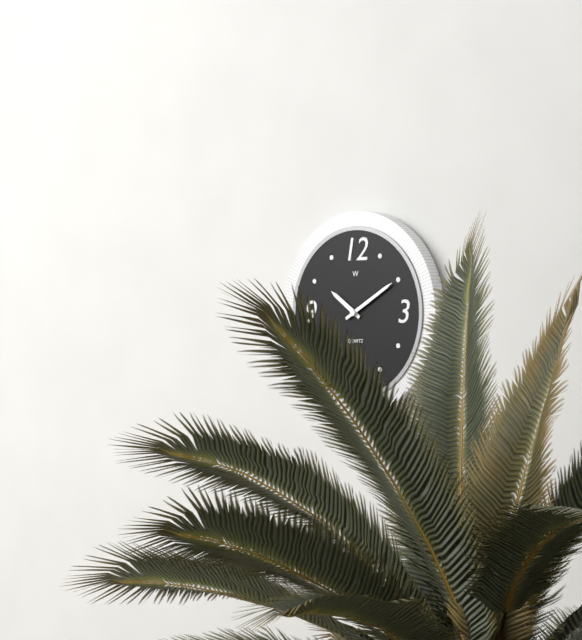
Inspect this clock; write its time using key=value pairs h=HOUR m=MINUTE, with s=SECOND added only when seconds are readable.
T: h=10 m=10
